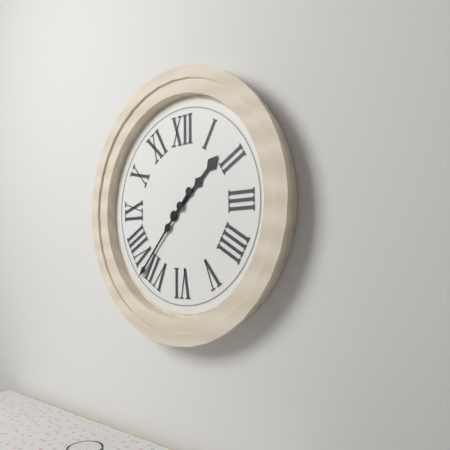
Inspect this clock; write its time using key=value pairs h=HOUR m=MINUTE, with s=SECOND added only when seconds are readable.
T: h=1 m=37
